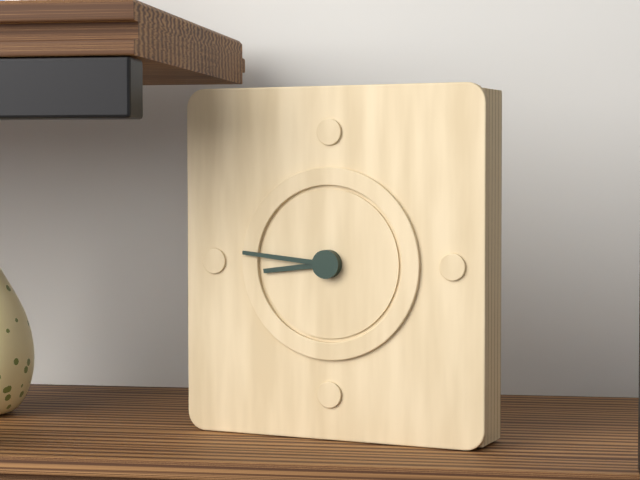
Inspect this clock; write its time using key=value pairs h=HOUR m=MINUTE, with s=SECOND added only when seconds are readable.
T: h=8 m=46
